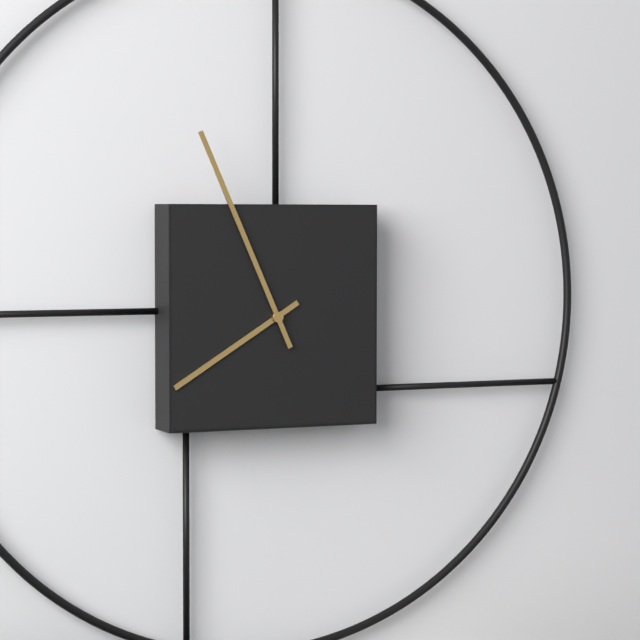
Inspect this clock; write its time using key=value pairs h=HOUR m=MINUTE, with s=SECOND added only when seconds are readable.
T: h=7 m=56
